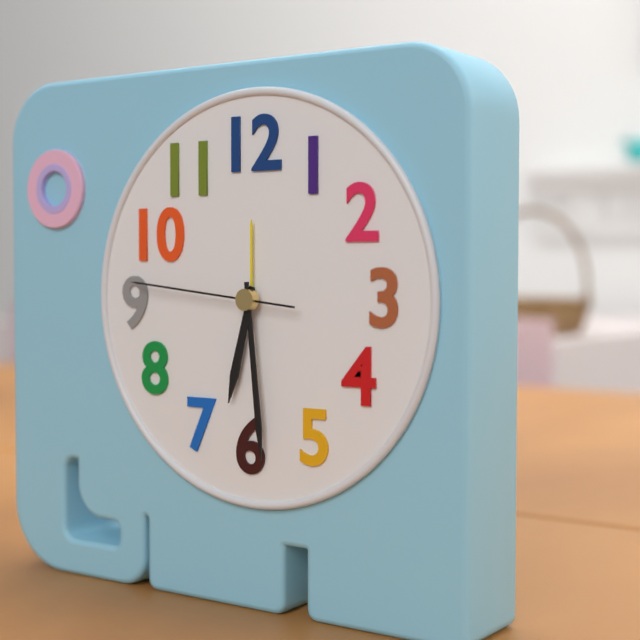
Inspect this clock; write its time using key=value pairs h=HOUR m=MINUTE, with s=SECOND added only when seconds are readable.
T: h=6 m=29 s=46
